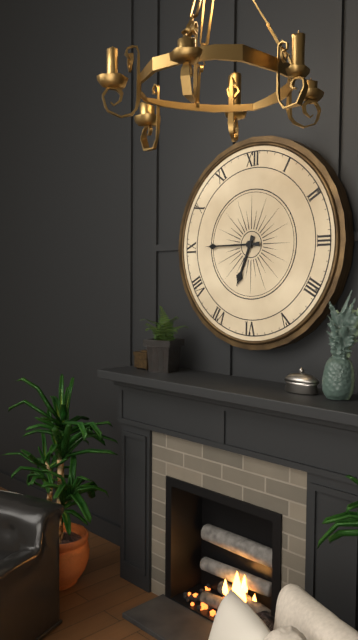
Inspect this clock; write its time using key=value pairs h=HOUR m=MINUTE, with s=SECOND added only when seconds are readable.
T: h=6 m=45
